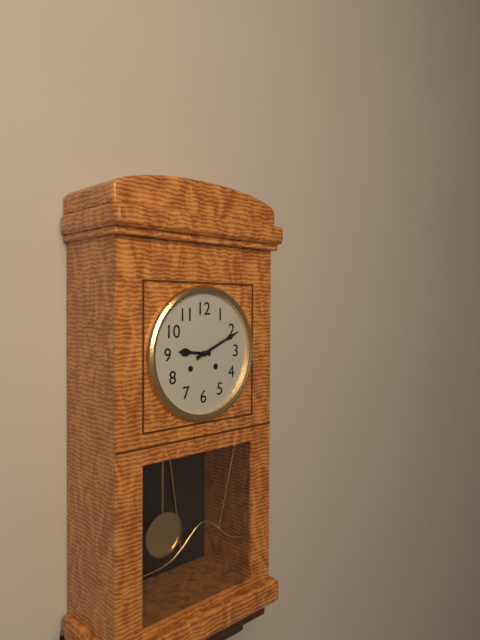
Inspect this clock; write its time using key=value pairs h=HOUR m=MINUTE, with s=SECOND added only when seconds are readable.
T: h=9 m=11
